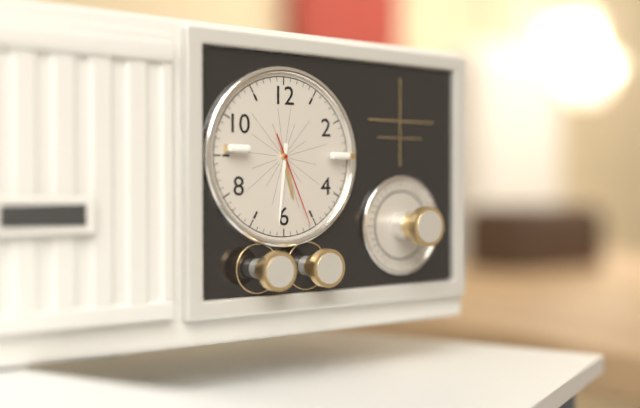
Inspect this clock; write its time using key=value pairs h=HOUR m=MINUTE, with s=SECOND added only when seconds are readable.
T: h=5 m=31 s=26
